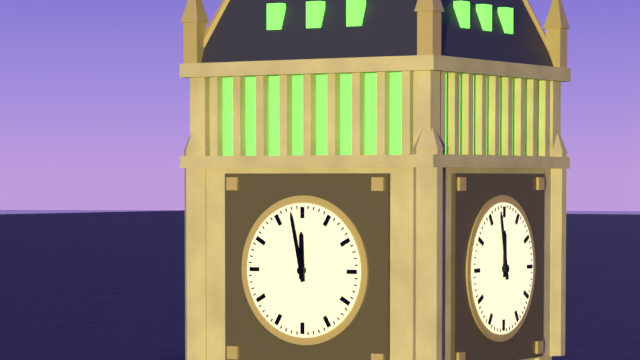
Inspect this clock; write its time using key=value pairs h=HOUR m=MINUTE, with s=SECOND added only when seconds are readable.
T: h=11 m=58
